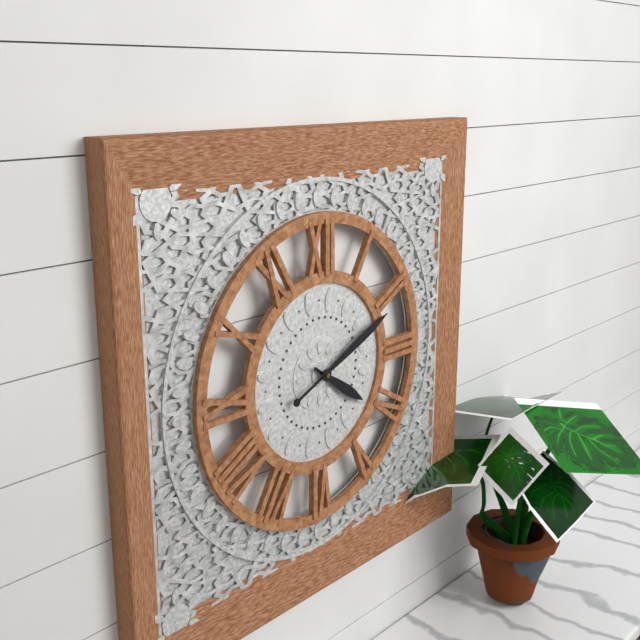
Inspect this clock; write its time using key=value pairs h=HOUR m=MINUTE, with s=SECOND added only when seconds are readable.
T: h=4 m=11
